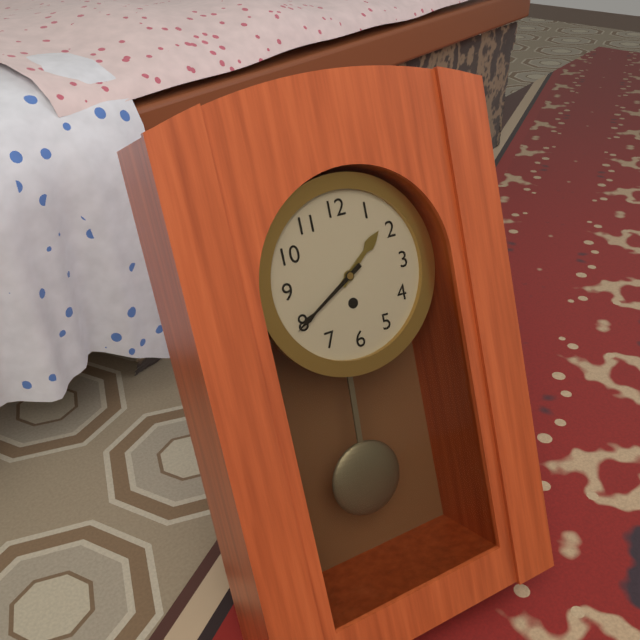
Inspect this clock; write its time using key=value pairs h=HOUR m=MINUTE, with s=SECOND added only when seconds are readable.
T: h=1 m=40
